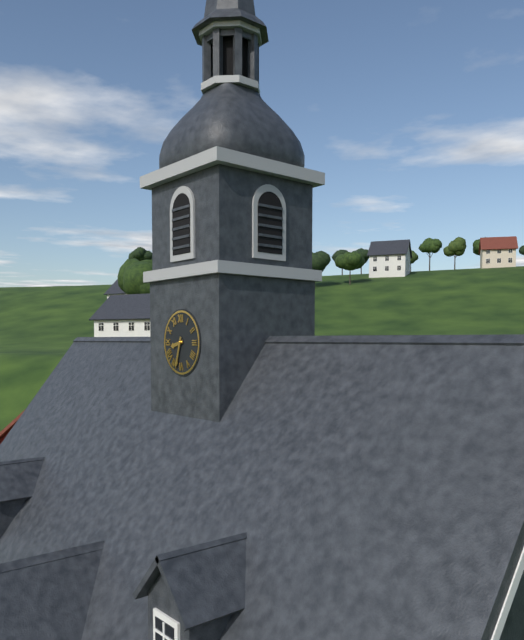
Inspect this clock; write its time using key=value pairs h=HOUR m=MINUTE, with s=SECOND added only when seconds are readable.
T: h=8 m=33
